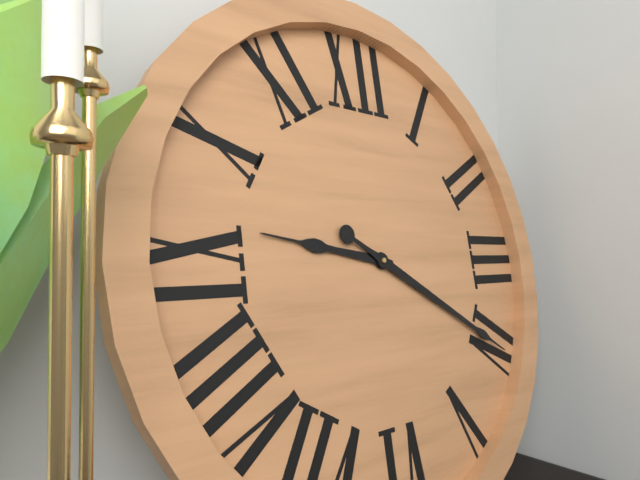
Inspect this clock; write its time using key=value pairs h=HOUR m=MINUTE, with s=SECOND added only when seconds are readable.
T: h=9 m=20
